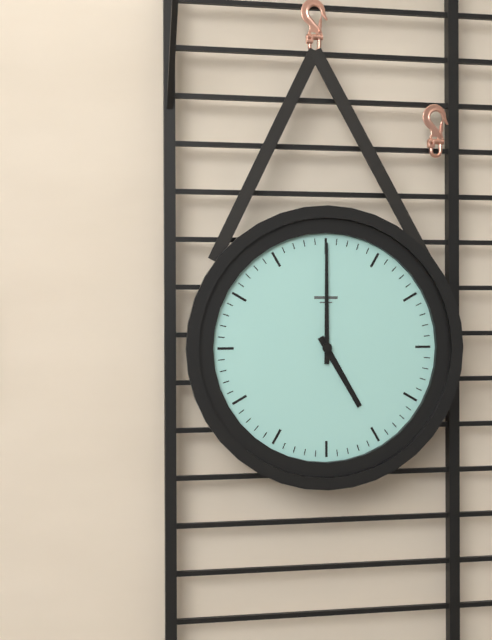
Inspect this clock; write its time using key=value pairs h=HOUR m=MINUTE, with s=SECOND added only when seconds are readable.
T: h=5 m=0
